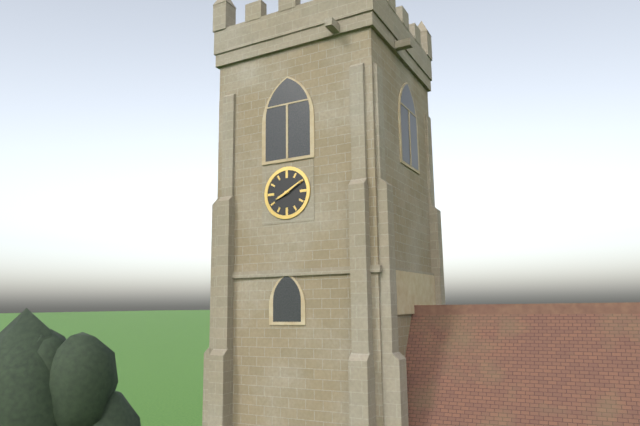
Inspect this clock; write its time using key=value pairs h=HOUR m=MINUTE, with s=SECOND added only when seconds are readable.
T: h=8 m=10
